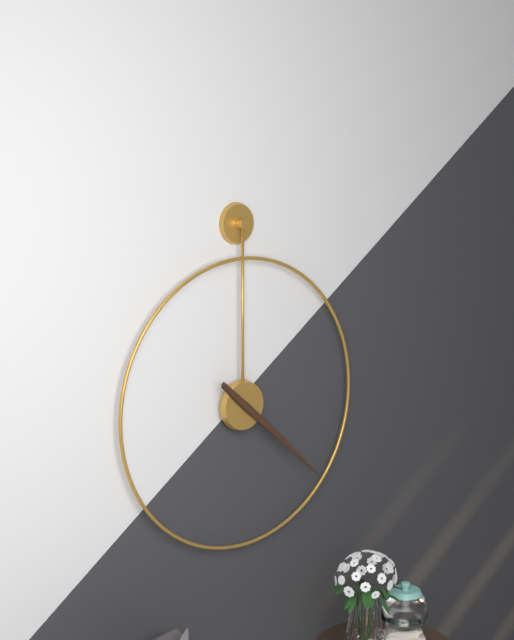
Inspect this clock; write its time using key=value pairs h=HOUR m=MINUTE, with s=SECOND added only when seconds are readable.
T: h=4 m=22
